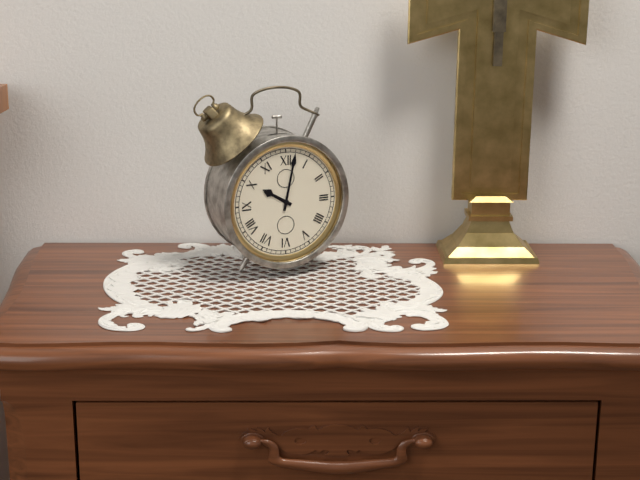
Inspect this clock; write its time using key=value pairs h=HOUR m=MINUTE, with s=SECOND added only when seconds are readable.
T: h=10 m=2
